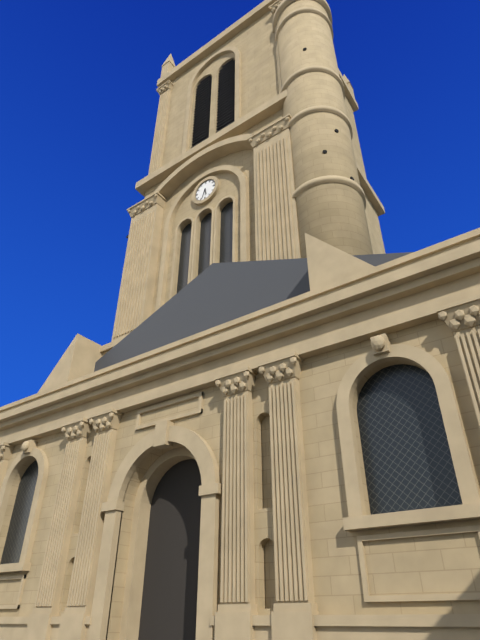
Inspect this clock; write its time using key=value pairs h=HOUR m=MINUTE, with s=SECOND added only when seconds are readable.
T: h=5 m=33
